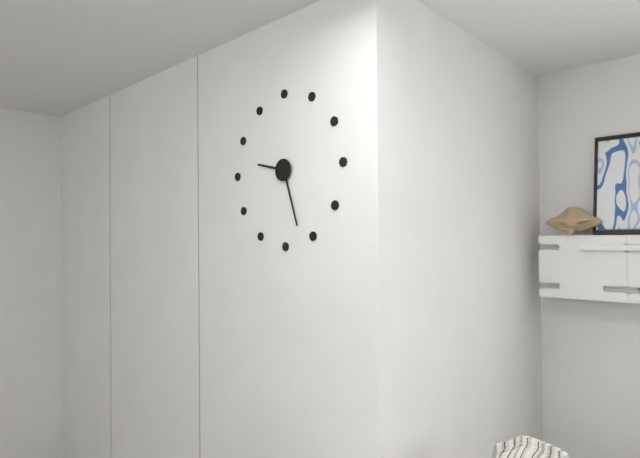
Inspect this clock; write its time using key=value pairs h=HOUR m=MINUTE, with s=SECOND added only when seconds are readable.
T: h=9 m=27
